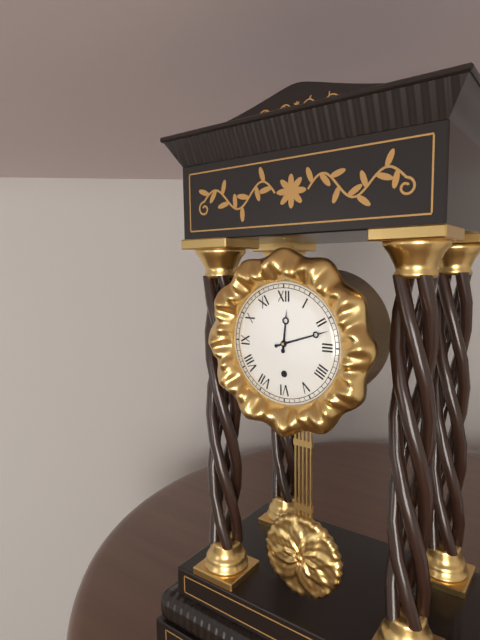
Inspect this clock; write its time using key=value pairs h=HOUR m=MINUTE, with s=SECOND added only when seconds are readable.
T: h=12 m=12
